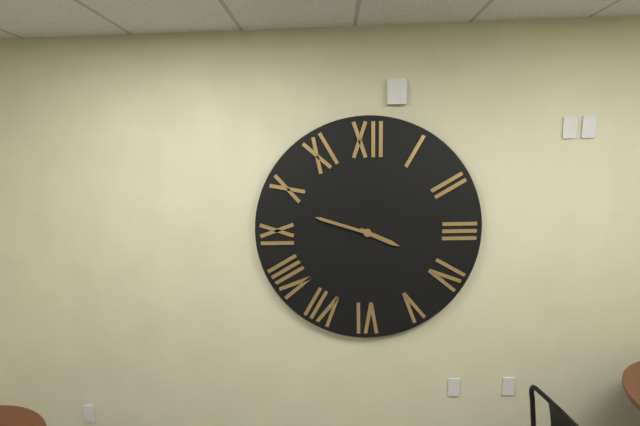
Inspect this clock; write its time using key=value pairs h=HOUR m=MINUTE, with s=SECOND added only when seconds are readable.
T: h=3 m=48
